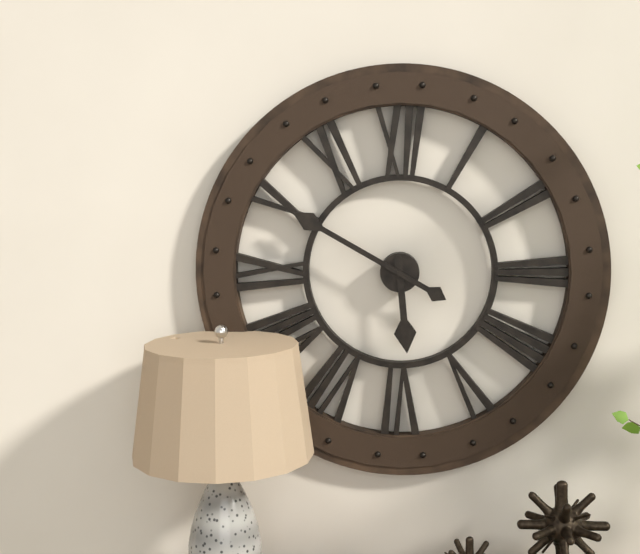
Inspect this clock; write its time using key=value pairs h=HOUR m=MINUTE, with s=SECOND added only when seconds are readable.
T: h=5 m=50
